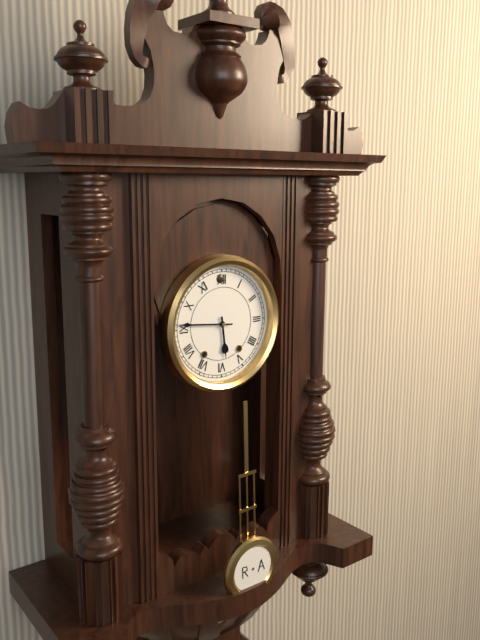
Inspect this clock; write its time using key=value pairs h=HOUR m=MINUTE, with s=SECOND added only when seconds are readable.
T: h=5 m=46
